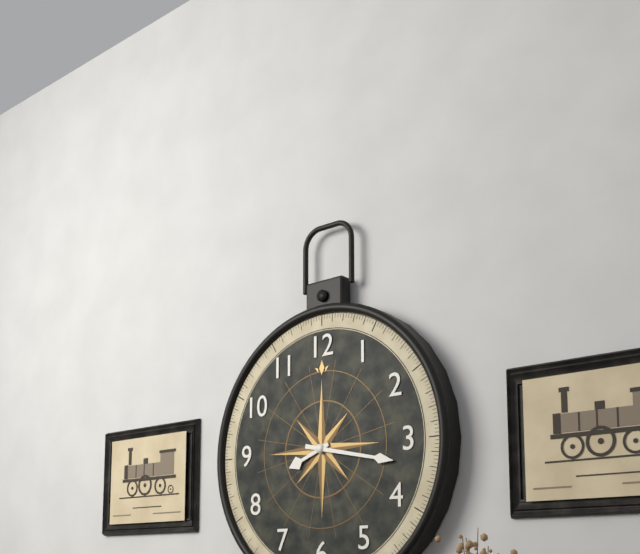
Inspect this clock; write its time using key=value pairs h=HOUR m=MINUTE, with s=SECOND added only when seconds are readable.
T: h=8 m=17
